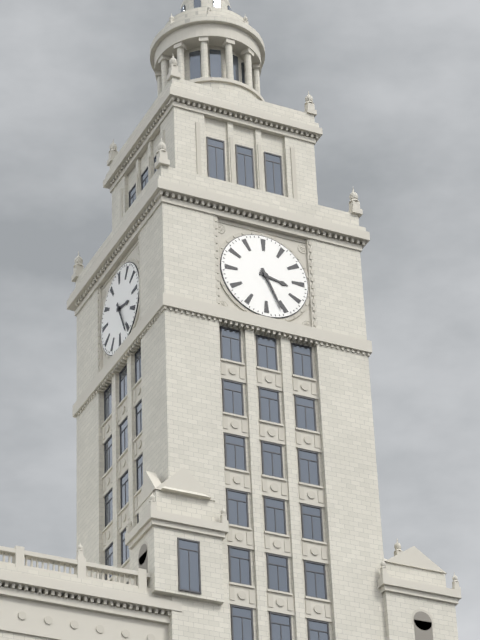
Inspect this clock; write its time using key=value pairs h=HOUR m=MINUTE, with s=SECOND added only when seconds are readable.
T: h=3 m=26
